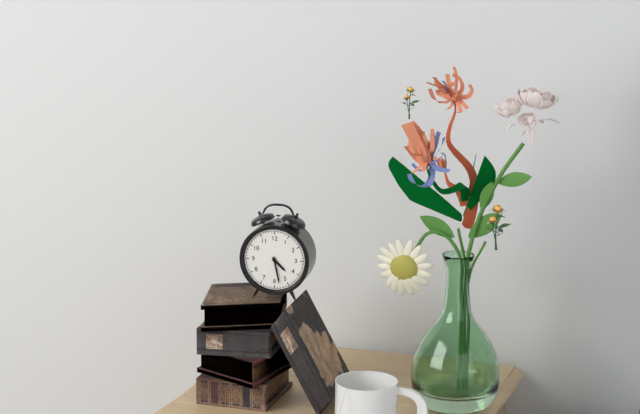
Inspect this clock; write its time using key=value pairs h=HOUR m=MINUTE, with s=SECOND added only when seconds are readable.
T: h=4 m=28
